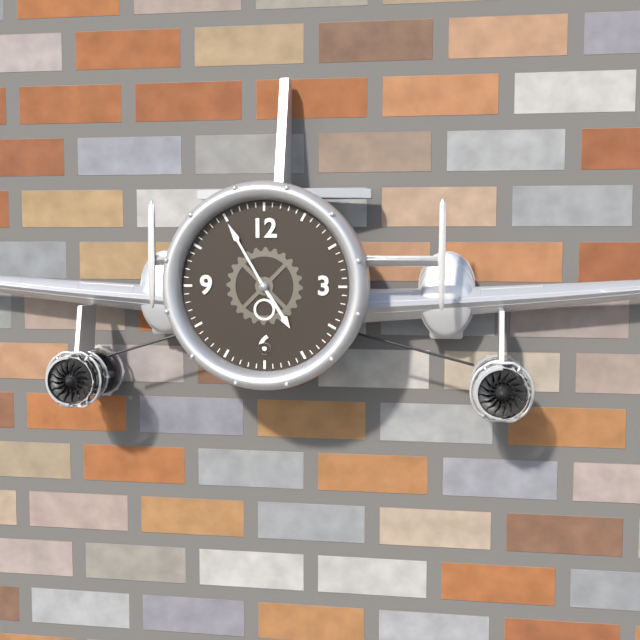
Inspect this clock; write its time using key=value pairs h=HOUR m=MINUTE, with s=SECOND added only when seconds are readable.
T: h=4 m=55
